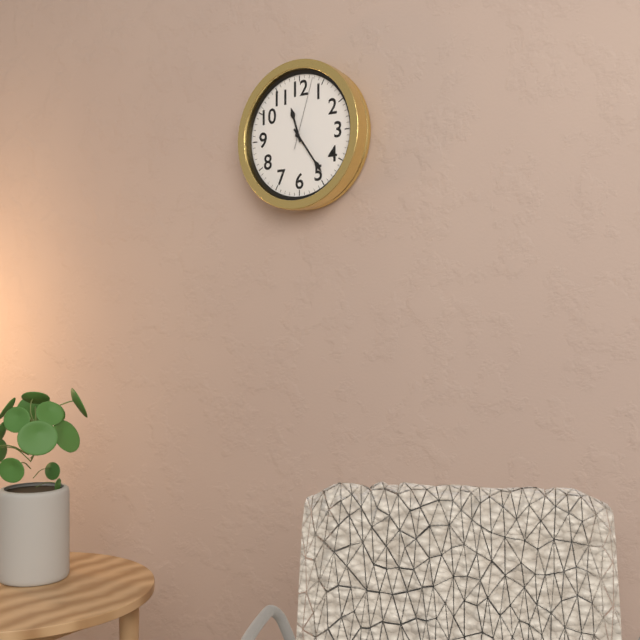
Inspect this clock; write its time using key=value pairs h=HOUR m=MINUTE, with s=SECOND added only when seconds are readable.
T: h=11 m=24 s=3
